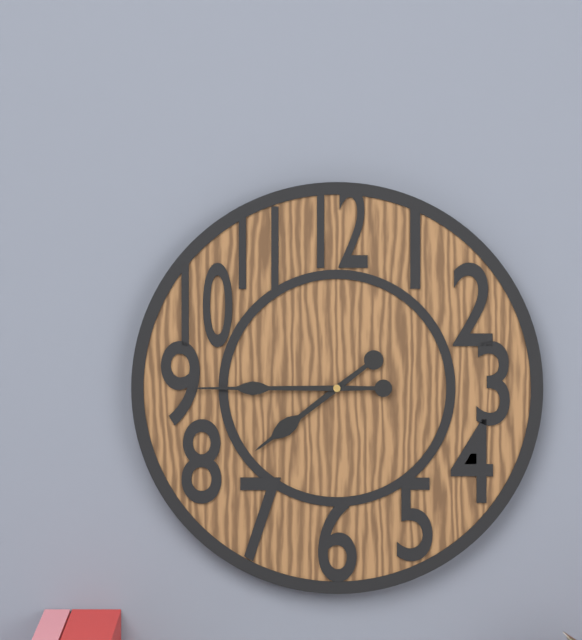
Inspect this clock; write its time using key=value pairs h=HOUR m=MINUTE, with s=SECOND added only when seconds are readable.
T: h=7 m=45
